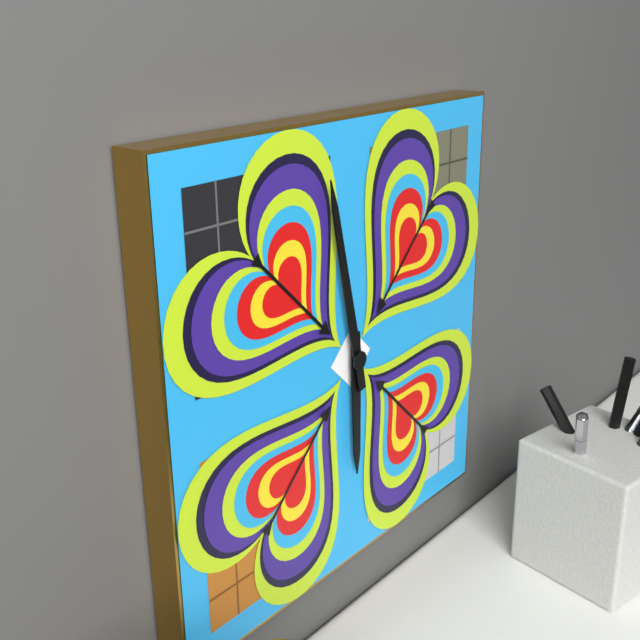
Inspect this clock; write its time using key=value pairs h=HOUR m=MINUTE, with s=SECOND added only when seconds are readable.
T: h=5 m=58
